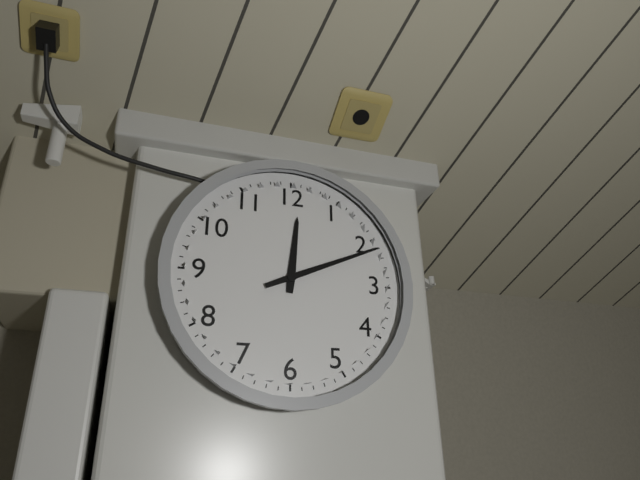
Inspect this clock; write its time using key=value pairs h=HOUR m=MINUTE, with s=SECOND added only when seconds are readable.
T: h=12 m=11
